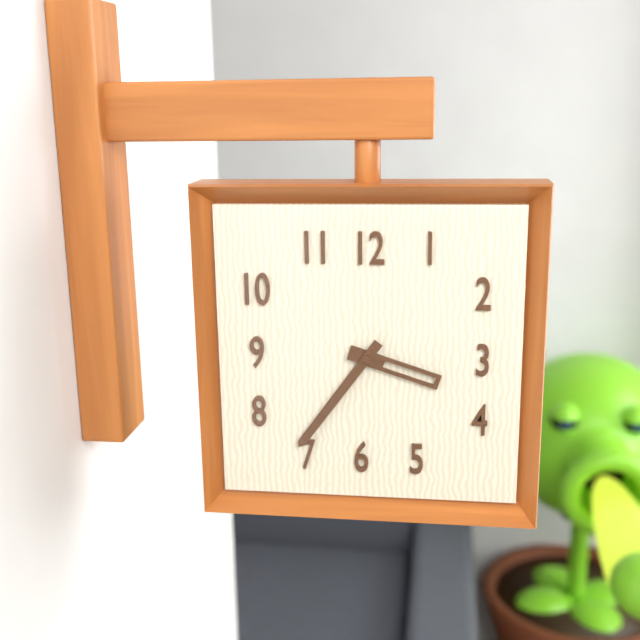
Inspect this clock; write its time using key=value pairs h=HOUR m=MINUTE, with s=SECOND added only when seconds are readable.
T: h=3 m=36
